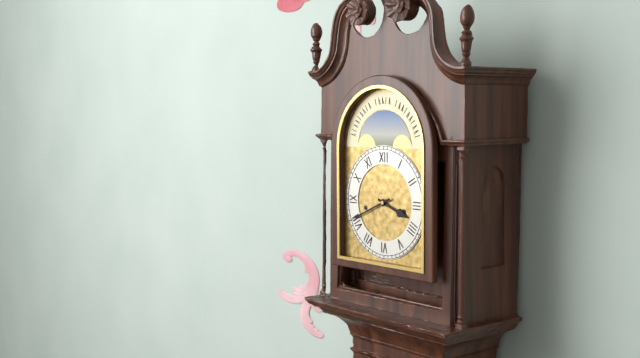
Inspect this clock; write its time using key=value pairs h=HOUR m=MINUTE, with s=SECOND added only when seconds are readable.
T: h=3 m=41
